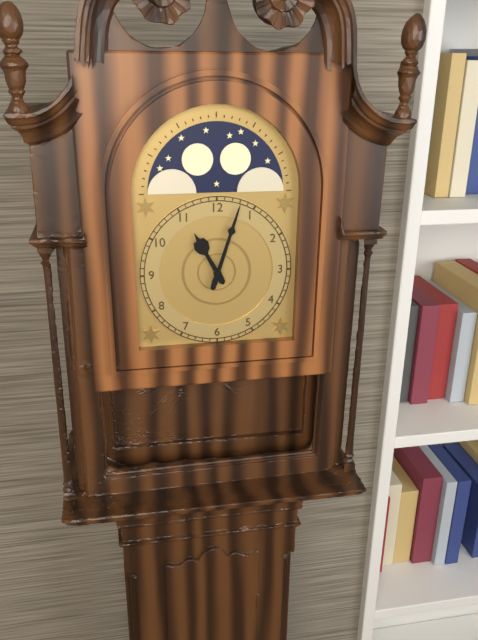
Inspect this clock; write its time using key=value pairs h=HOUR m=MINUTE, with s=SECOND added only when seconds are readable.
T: h=11 m=3
